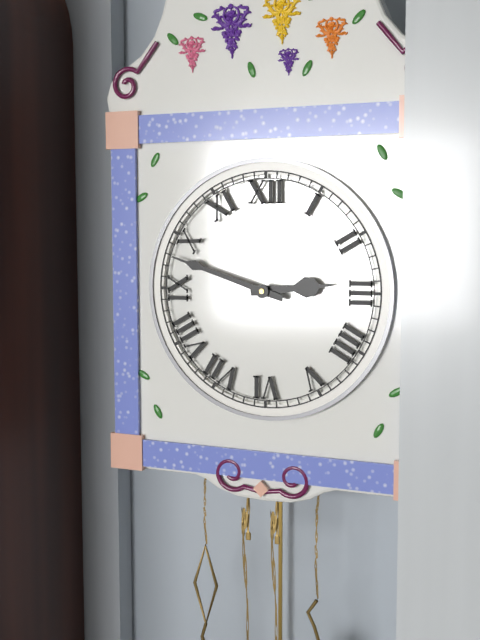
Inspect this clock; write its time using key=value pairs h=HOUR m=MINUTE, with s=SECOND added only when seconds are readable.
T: h=2 m=48
